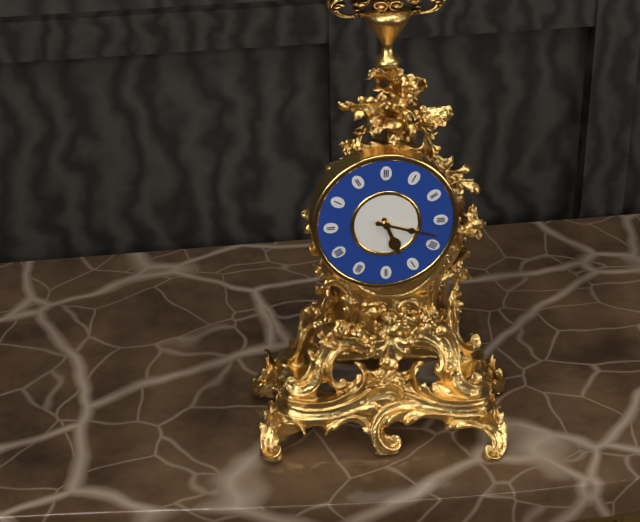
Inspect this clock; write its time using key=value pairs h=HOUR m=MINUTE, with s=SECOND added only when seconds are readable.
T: h=5 m=18
